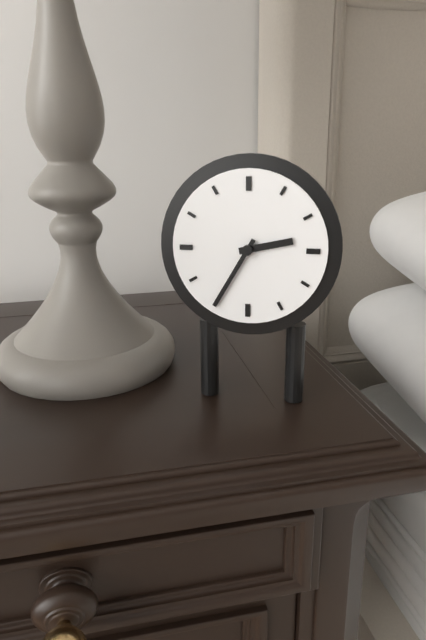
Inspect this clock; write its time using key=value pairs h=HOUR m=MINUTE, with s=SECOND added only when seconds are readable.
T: h=2 m=35
